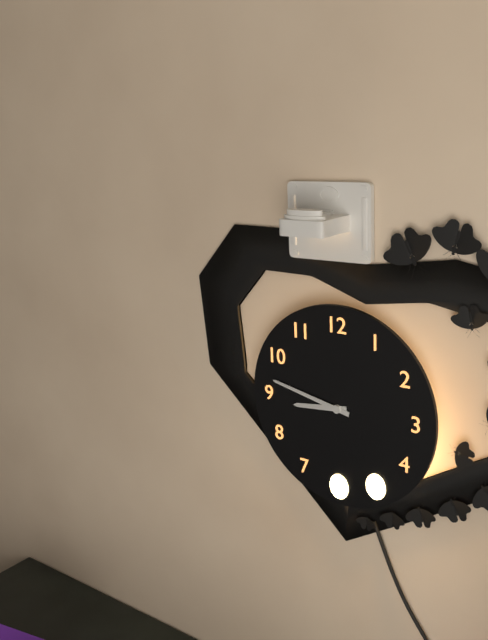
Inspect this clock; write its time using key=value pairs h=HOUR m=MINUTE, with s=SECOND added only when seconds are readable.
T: h=8 m=47
